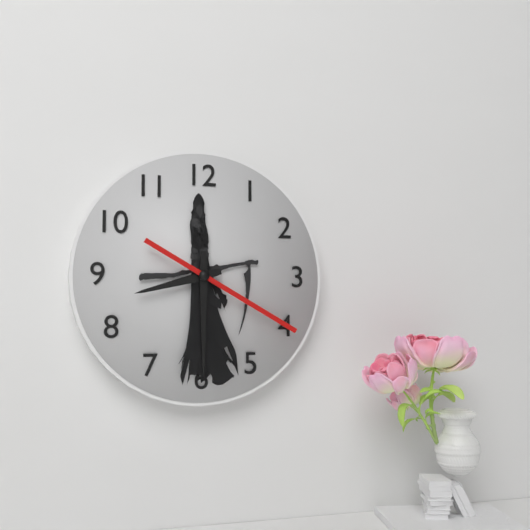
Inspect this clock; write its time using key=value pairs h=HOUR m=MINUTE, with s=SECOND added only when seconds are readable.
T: h=8 m=30 s=20
